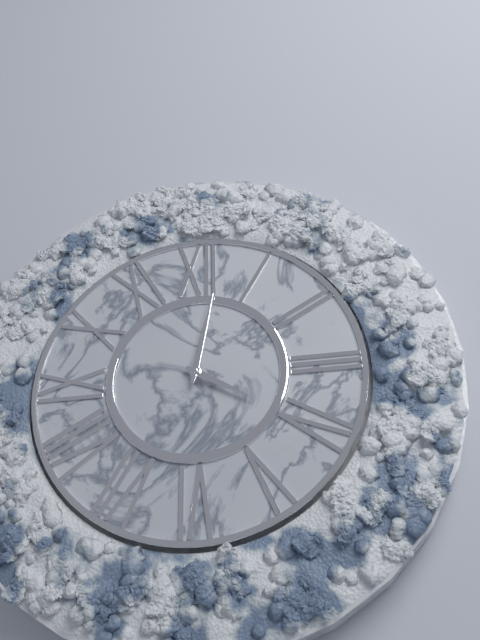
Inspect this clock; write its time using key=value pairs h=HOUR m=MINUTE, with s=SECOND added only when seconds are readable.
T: h=4 m=2
